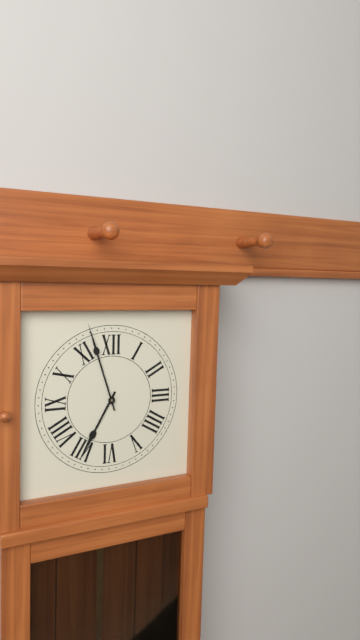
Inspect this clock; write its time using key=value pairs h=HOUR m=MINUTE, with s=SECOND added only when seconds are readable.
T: h=6 m=57
